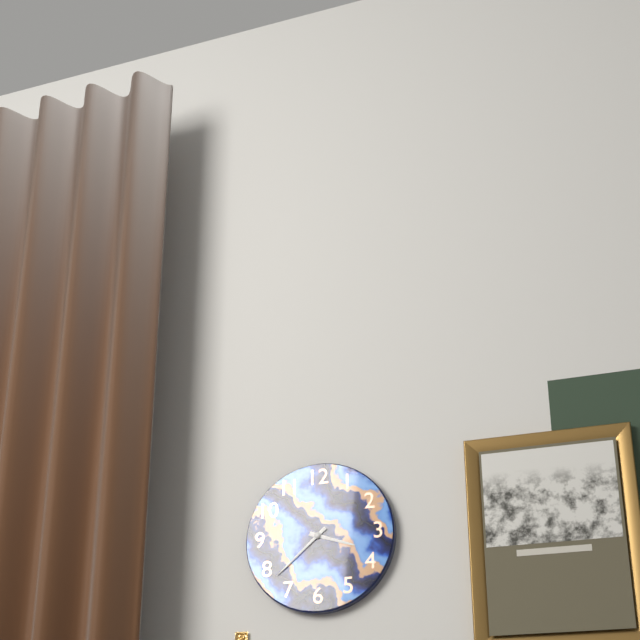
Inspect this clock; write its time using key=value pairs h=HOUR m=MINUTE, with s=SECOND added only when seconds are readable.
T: h=3 m=38
